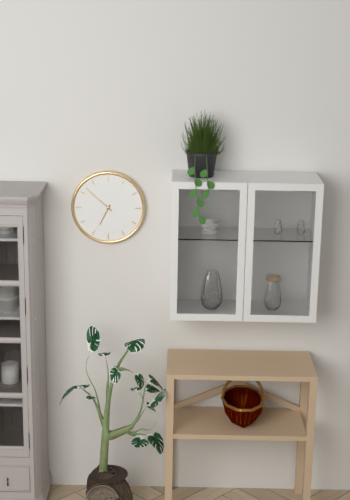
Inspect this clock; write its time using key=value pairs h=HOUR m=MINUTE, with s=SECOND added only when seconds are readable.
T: h=6 m=52
